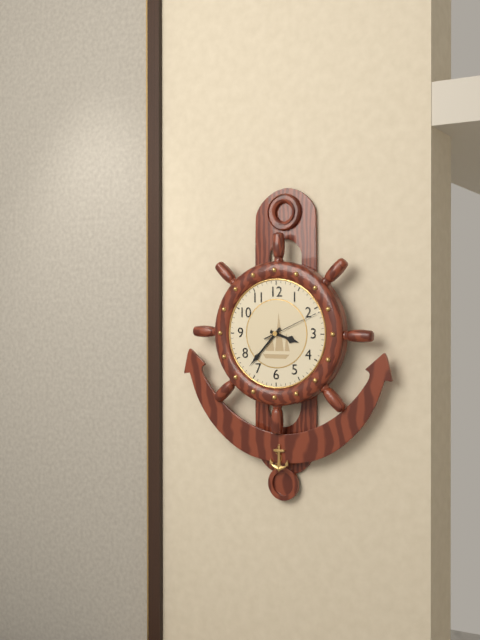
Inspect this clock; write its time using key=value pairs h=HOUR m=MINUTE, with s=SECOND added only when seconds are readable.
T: h=3 m=37 s=11
